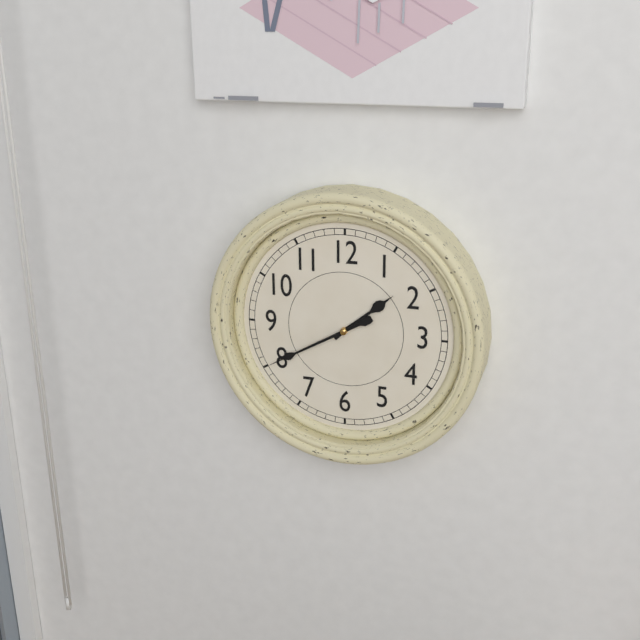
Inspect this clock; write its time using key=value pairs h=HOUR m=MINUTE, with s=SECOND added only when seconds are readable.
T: h=1 m=40
